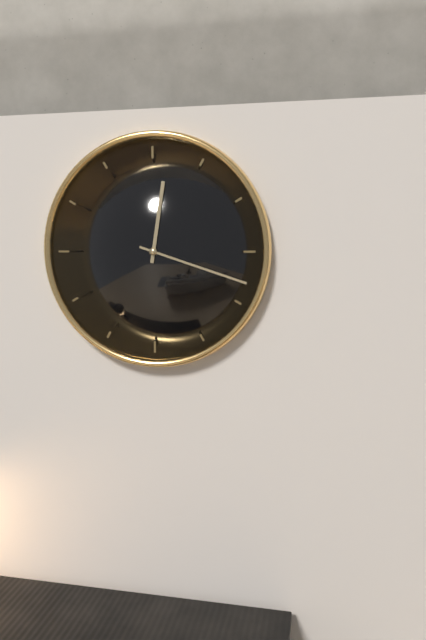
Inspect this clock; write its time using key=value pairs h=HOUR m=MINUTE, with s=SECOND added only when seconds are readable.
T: h=12 m=18
